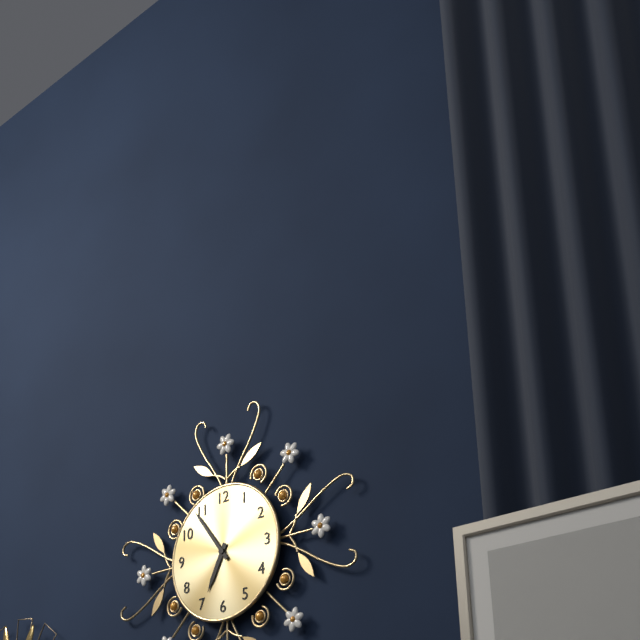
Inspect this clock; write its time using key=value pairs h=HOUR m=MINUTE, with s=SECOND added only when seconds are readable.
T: h=6 m=54
